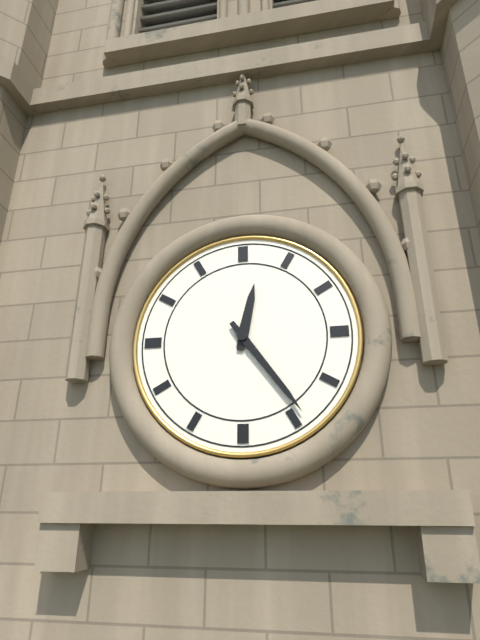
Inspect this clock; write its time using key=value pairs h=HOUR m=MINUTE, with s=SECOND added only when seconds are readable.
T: h=12 m=24
